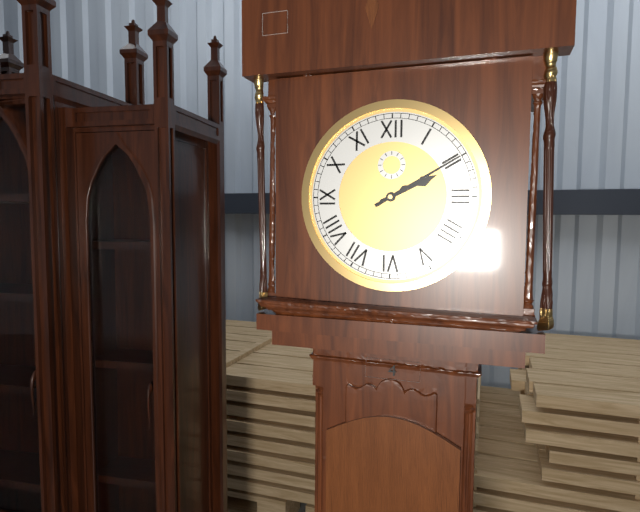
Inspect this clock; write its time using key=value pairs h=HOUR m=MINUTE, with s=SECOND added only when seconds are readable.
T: h=2 m=10
